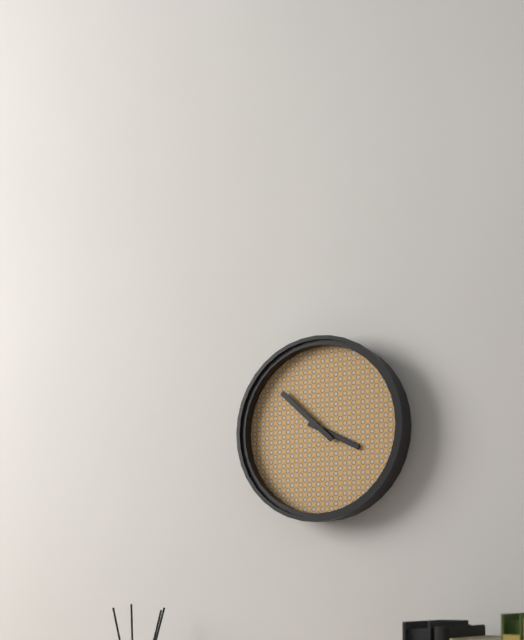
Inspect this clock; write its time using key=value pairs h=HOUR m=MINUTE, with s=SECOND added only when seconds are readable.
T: h=3 m=52
